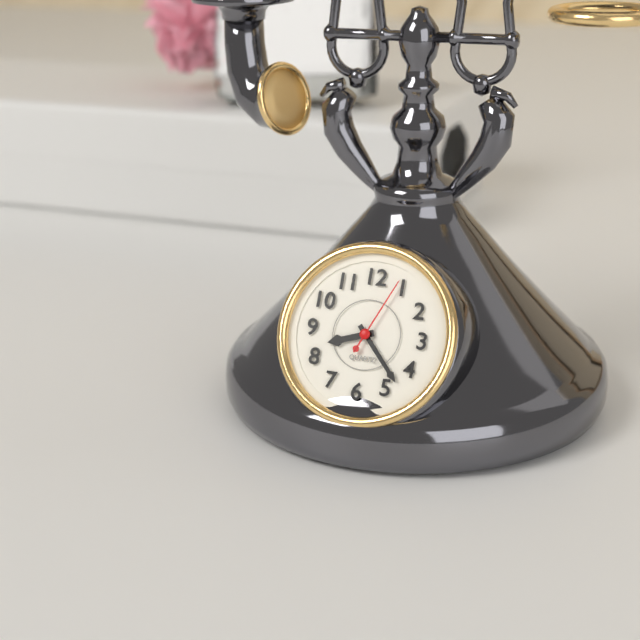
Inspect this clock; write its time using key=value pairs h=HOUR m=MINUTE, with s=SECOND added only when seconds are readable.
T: h=8 m=23 s=4
